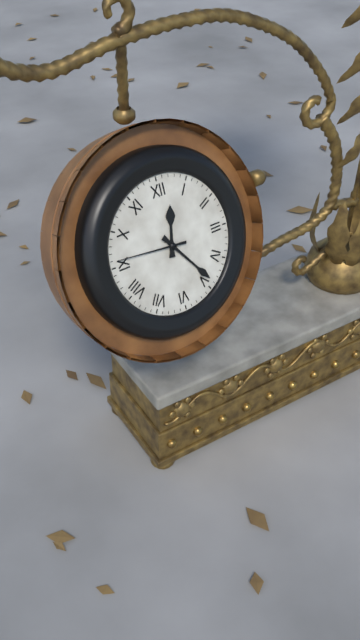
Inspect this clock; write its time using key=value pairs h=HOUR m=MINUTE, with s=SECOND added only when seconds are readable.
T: h=12 m=24 s=46
